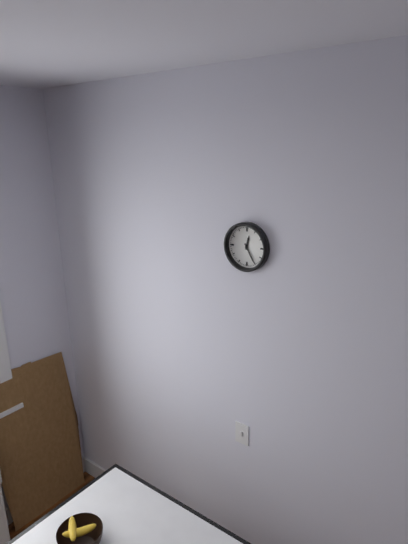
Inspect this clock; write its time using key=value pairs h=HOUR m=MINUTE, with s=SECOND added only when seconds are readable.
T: h=12 m=25
